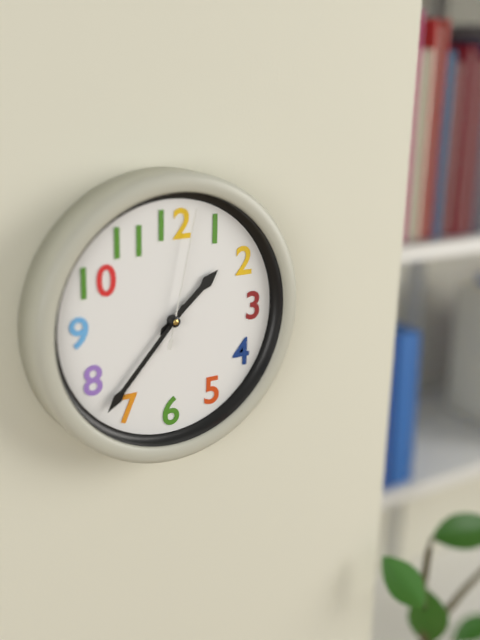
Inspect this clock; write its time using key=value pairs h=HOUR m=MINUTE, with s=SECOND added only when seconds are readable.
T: h=1 m=37 s=2
